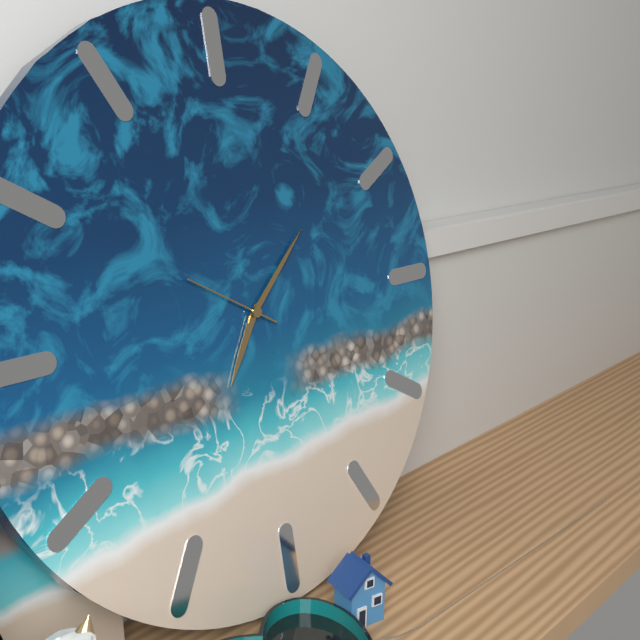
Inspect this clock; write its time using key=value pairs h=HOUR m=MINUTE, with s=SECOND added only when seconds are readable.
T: h=7 m=8 s=50
